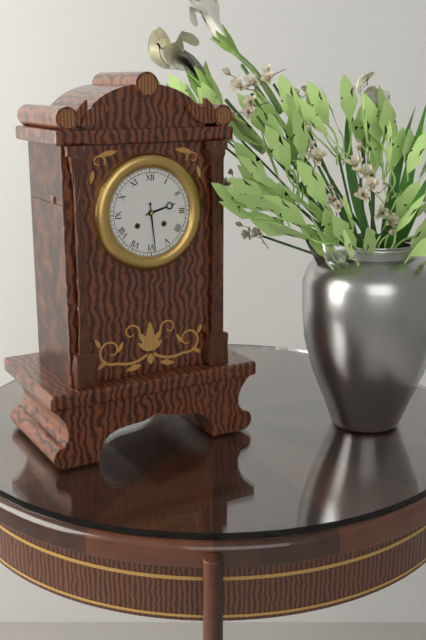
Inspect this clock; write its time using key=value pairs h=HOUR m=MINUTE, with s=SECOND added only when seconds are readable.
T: h=2 m=29
